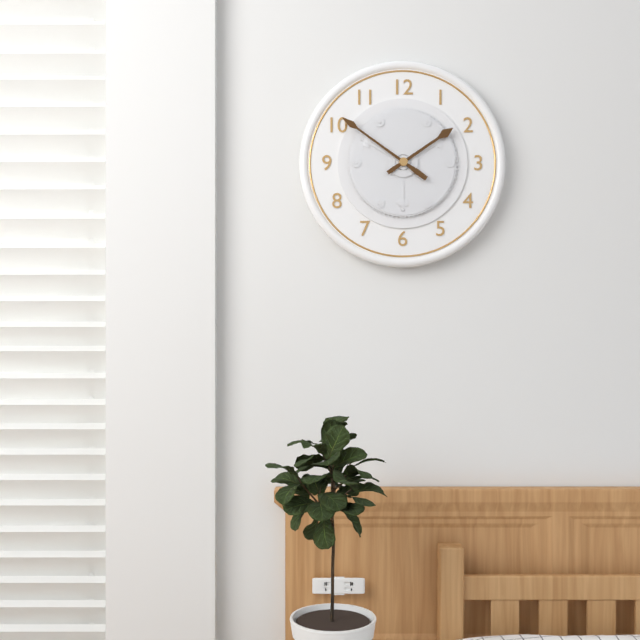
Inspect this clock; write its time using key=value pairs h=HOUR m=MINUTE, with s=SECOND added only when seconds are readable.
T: h=1 m=51
